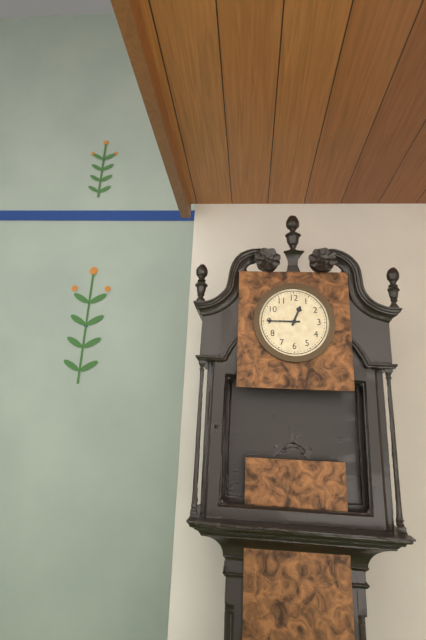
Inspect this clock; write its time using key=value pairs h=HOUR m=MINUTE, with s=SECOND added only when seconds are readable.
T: h=12 m=45
